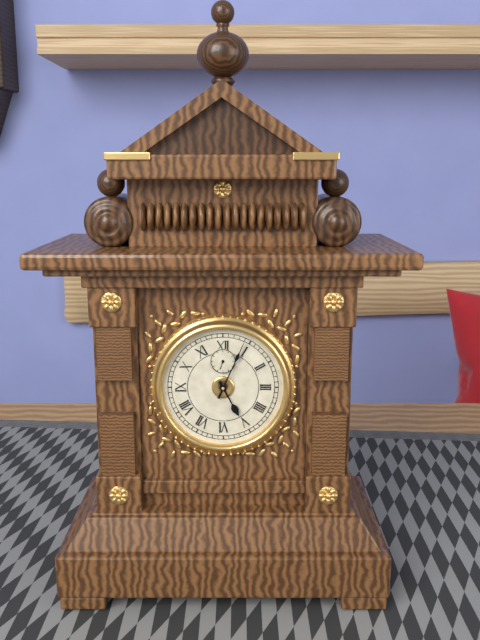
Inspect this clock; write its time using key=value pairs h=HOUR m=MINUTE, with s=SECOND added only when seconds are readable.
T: h=5 m=4
